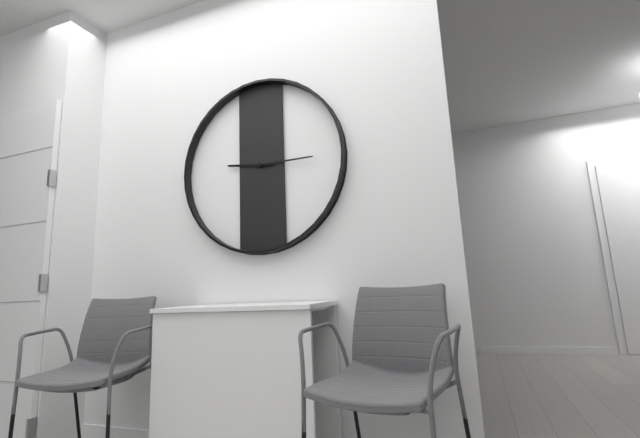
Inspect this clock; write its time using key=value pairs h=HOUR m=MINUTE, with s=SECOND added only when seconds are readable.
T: h=9 m=15
